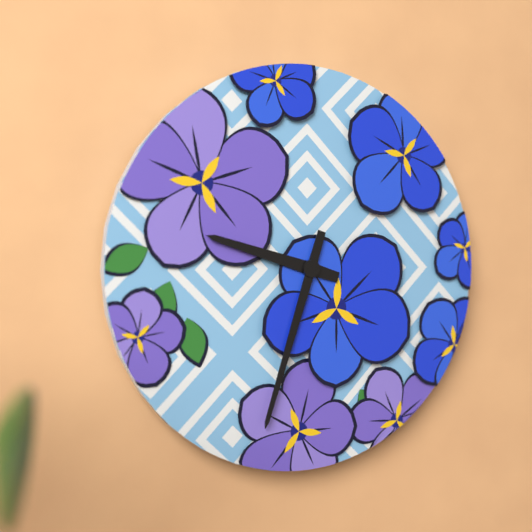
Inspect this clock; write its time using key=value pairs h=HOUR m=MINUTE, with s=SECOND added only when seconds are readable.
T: h=9 m=33
